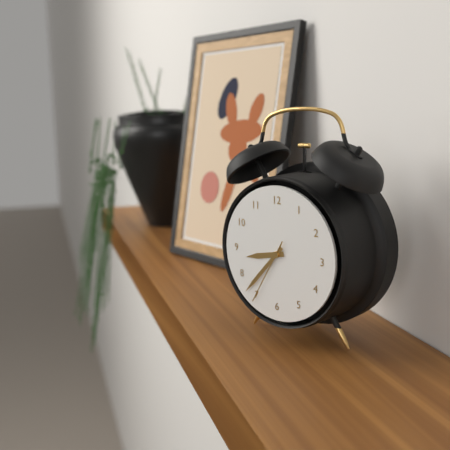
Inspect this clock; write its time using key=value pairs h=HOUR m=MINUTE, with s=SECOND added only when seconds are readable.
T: h=8 m=37 s=35
